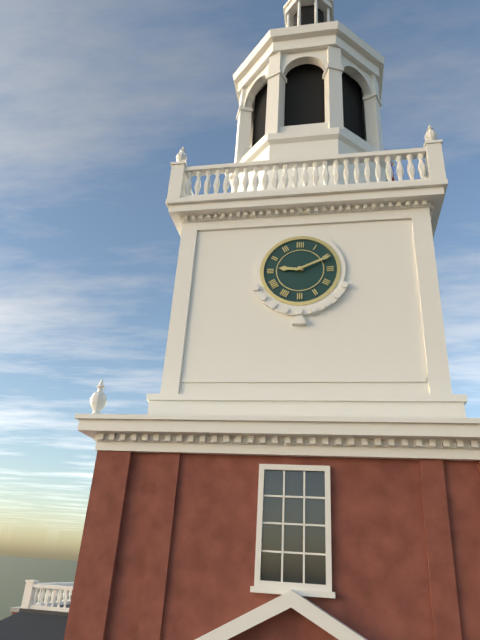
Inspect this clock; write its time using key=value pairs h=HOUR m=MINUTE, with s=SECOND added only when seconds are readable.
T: h=9 m=11
